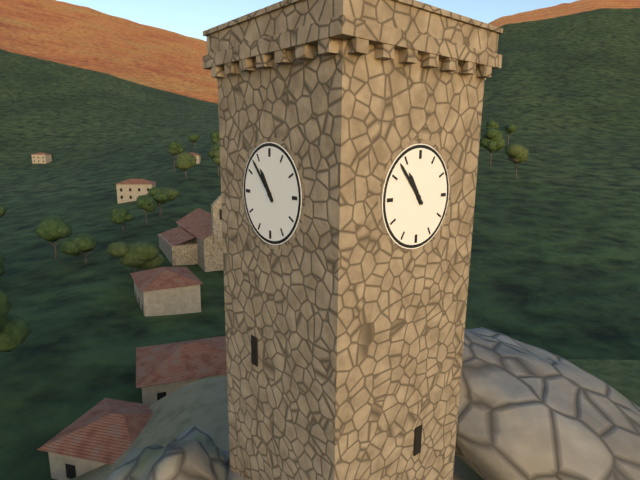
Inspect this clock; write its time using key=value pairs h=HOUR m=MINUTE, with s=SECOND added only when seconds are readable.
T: h=10 m=53
